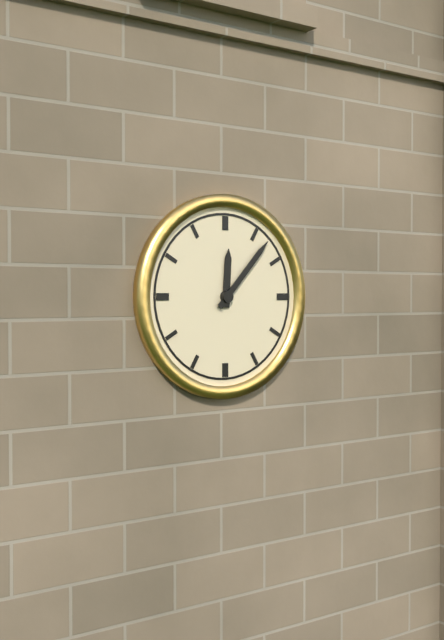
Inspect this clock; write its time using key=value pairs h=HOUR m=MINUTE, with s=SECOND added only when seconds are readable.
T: h=12 m=7
